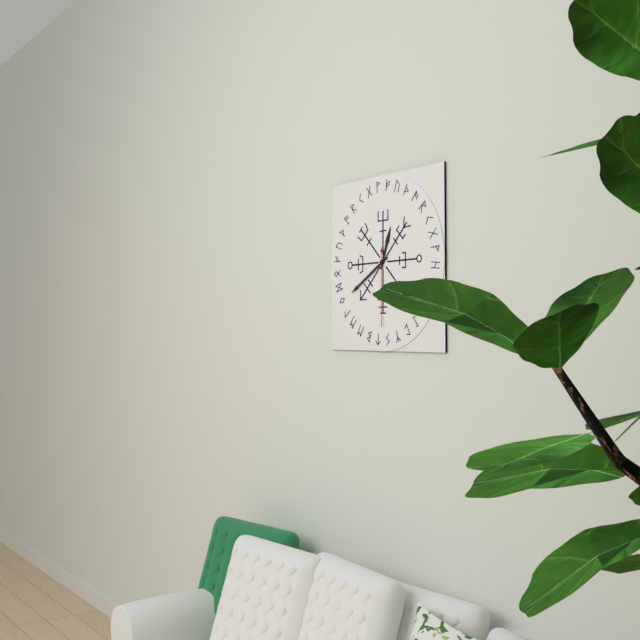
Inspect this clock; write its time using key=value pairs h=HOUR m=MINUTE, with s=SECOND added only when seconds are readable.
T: h=12 m=40 s=30
